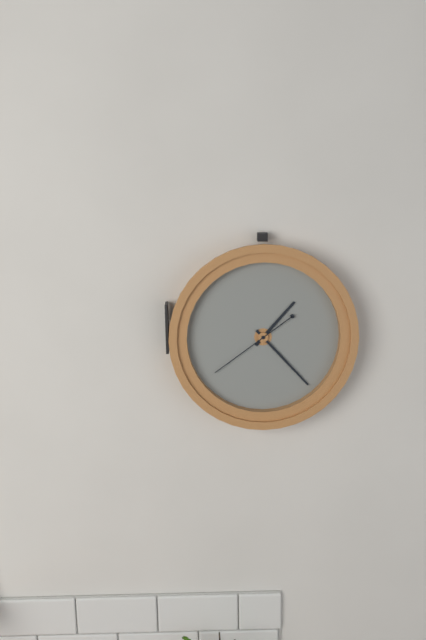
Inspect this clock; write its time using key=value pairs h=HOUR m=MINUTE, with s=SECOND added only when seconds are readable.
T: h=1 m=23 s=39
